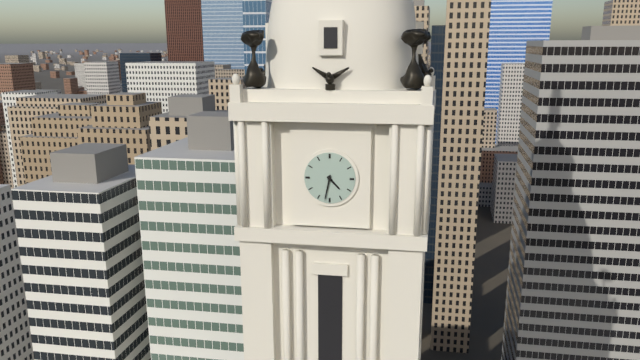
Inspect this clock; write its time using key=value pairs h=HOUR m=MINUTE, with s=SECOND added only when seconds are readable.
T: h=4 m=32
